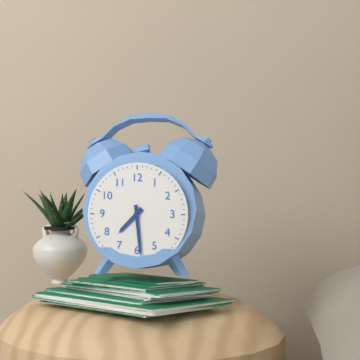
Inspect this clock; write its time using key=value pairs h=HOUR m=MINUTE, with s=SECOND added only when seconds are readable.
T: h=7 m=29
